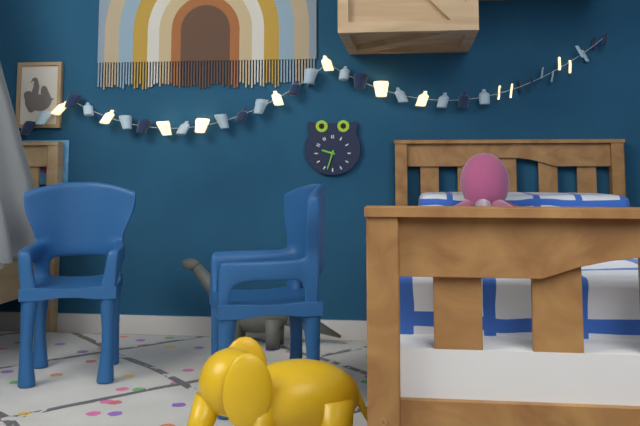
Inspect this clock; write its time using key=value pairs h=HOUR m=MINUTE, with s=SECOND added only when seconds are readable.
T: h=9 m=33
